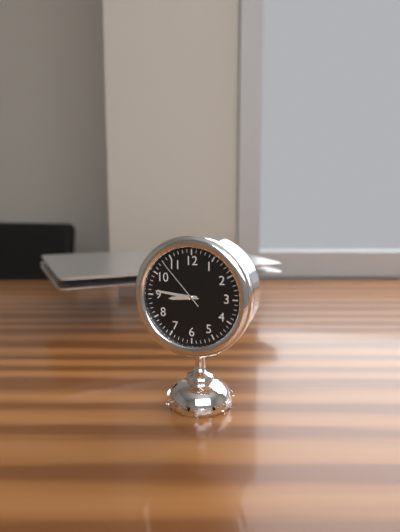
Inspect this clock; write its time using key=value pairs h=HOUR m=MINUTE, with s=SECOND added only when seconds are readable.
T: h=8 m=46 s=53
